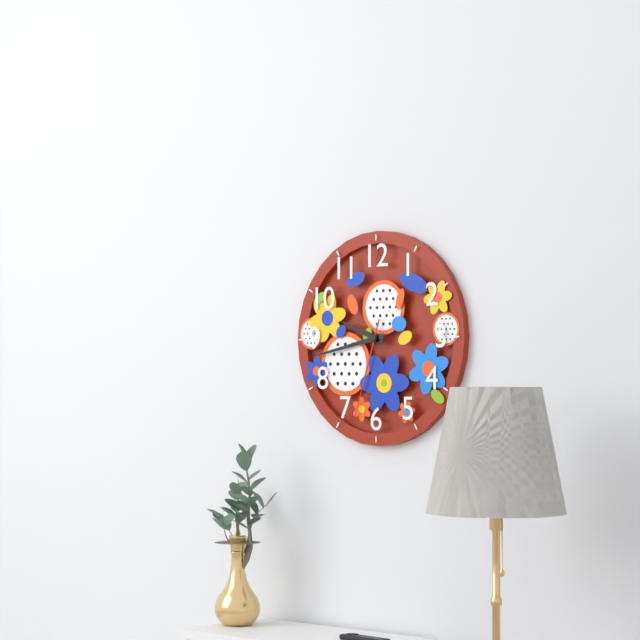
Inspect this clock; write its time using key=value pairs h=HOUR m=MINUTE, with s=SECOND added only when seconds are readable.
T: h=9 m=43 s=33
